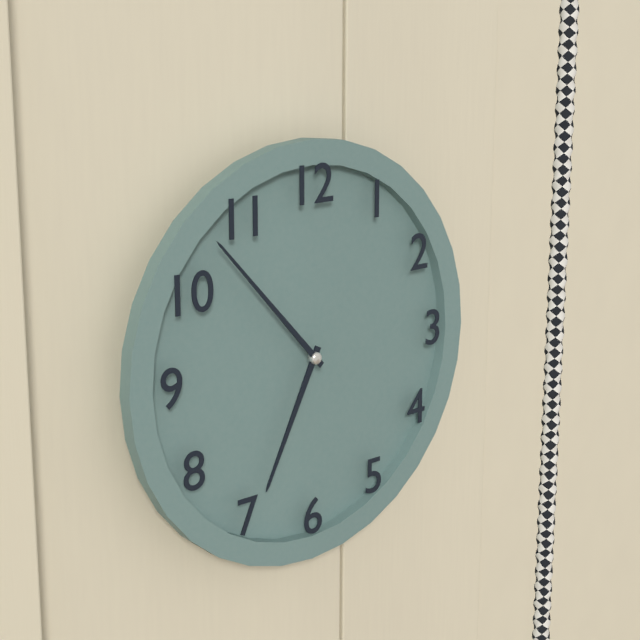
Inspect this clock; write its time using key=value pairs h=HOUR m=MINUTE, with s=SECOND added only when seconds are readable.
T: h=6 m=53
